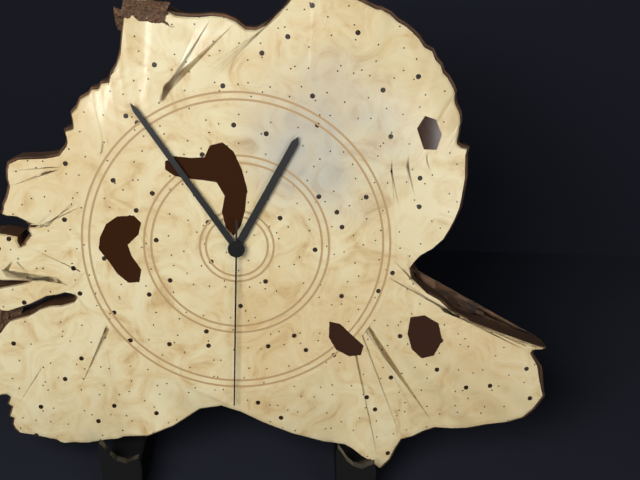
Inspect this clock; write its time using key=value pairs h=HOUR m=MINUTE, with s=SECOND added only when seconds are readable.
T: h=12 m=54 s=30
